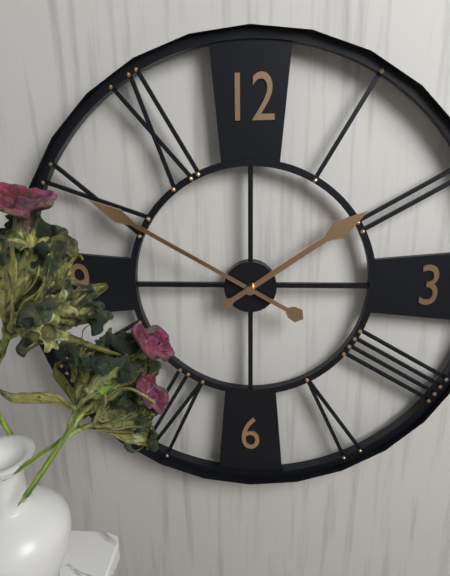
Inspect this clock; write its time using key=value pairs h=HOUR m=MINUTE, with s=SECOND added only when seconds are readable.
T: h=1 m=50
